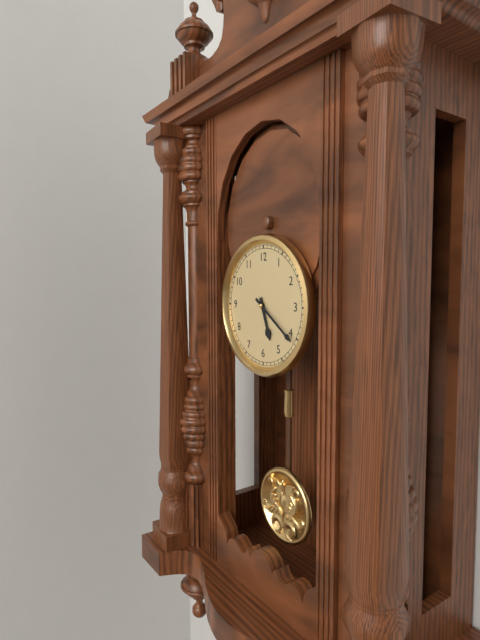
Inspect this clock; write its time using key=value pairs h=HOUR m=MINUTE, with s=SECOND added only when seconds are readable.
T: h=5 m=21
